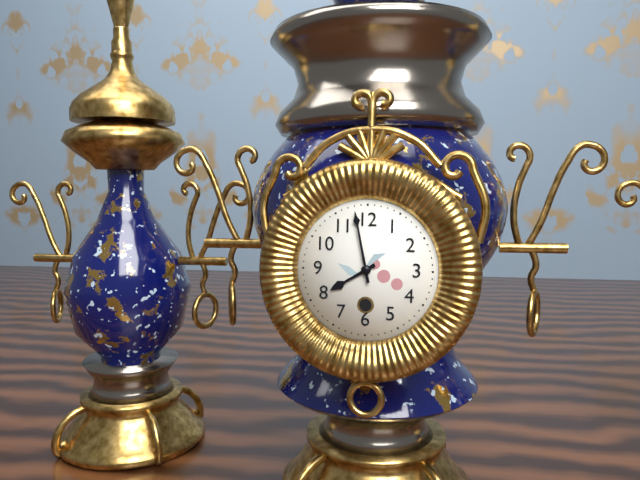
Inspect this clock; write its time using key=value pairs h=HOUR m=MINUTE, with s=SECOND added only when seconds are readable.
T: h=7 m=58
